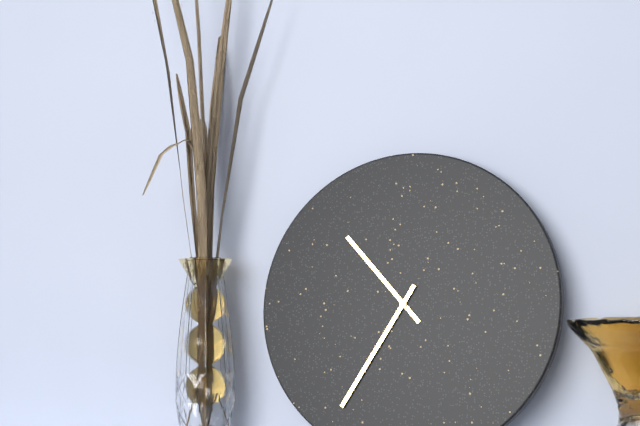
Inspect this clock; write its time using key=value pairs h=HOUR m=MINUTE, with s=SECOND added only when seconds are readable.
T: h=10 m=35
